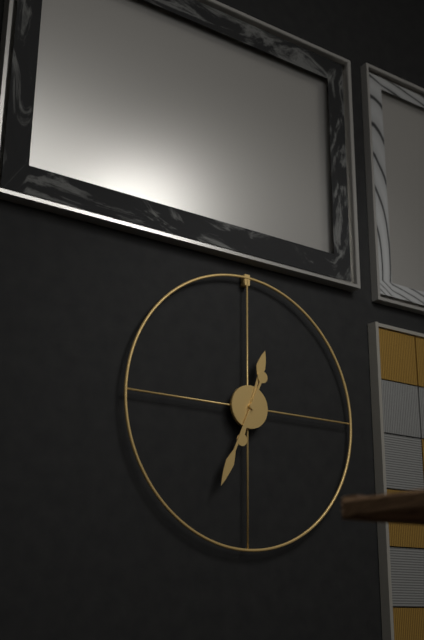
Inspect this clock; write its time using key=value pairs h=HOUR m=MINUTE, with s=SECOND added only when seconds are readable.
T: h=12 m=34
